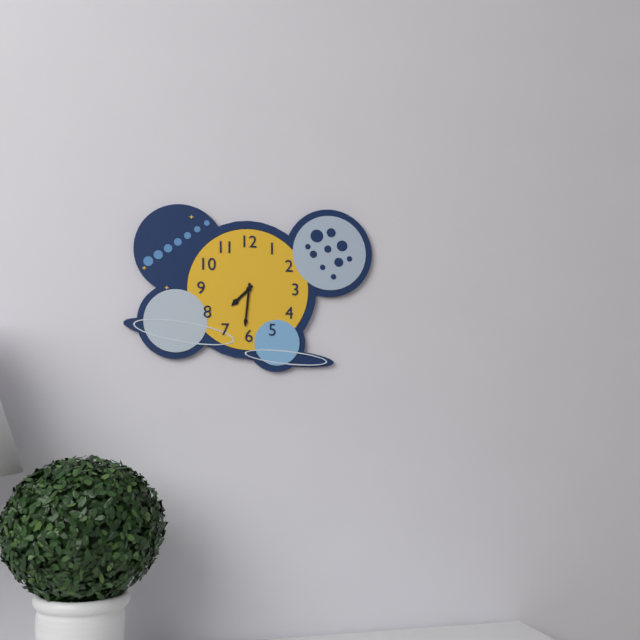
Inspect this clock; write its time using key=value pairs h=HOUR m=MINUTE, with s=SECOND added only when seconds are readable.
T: h=7 m=31
